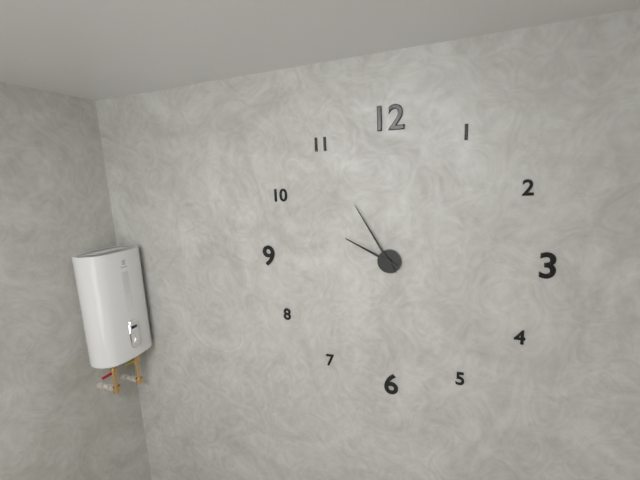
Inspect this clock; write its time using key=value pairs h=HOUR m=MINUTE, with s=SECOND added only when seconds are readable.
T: h=9 m=55
